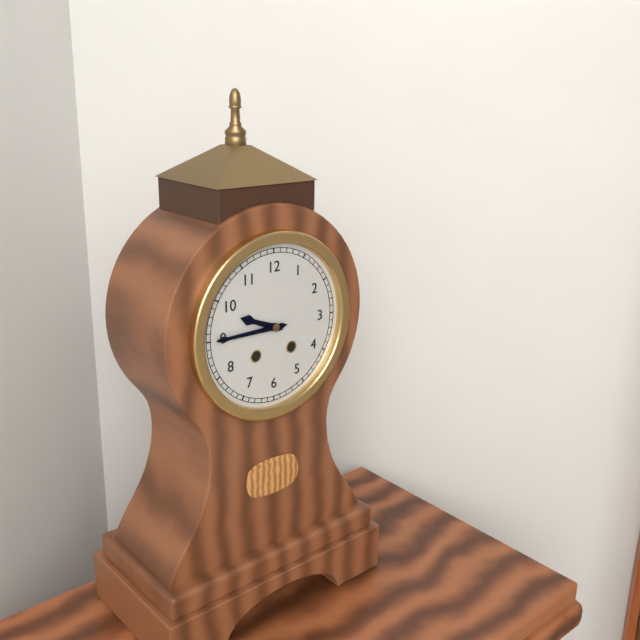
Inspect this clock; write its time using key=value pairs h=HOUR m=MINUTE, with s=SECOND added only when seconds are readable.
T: h=9 m=45
